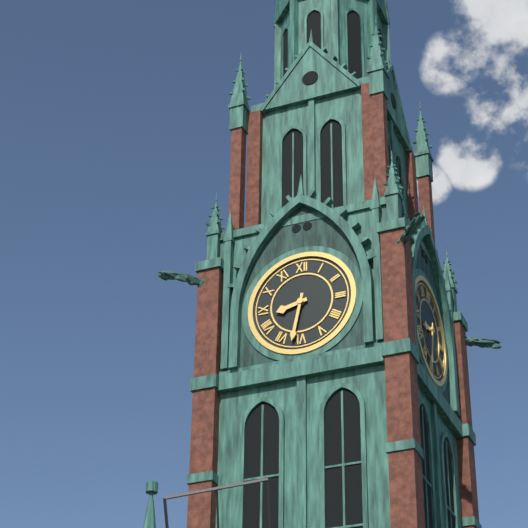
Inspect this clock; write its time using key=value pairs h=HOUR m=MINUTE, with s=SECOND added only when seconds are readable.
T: h=8 m=32
